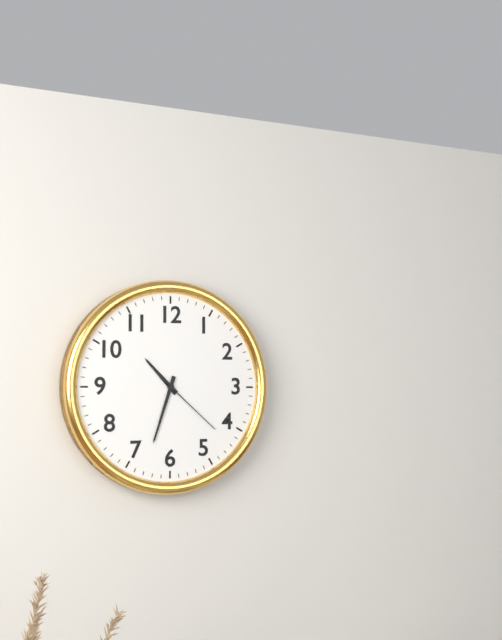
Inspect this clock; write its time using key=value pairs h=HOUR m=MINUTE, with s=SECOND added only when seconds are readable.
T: h=10 m=33 s=22
